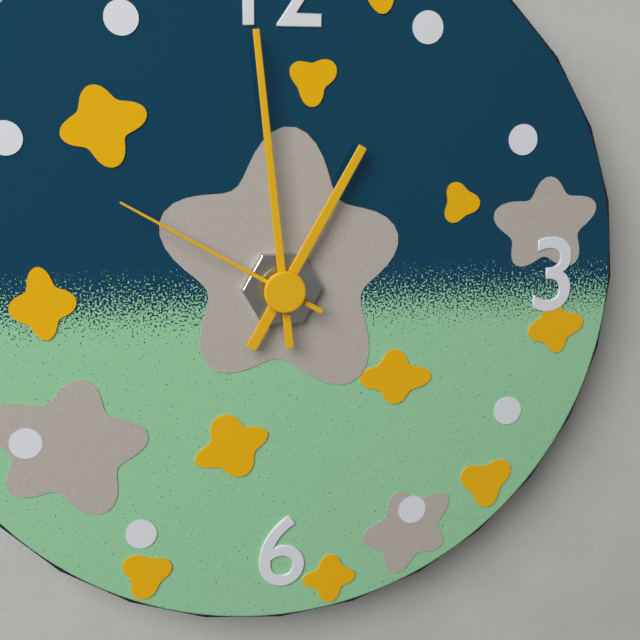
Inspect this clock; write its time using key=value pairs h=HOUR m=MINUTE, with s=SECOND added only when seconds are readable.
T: h=12 m=59 s=50
